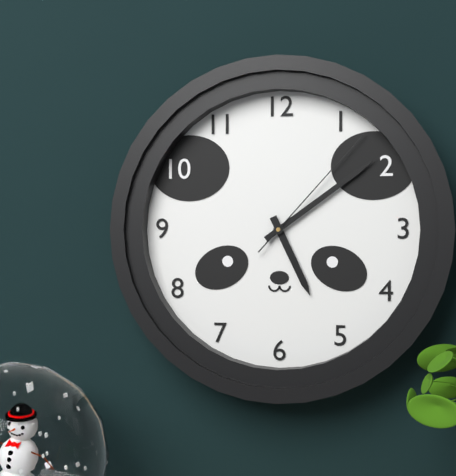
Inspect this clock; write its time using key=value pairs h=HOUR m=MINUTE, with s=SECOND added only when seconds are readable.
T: h=5 m=9 s=7
